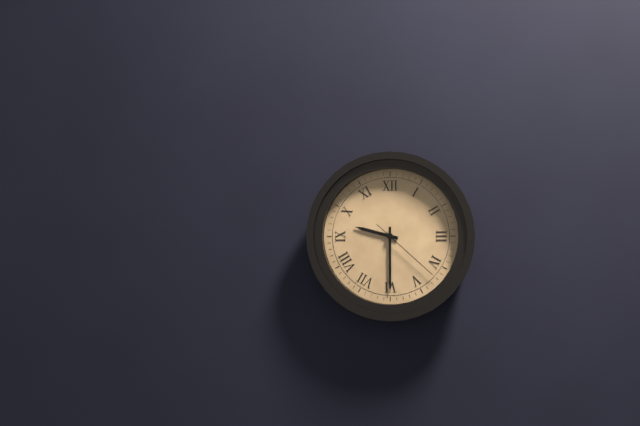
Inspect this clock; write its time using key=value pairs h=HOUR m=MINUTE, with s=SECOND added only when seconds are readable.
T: h=9 m=30 s=22
